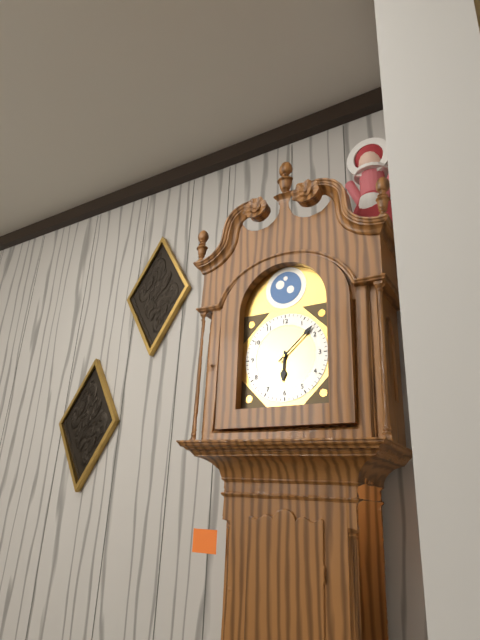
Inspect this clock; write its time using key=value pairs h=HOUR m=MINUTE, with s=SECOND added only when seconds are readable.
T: h=6 m=8
